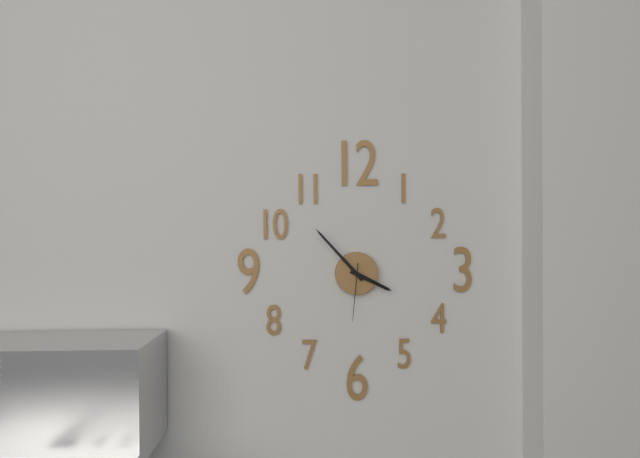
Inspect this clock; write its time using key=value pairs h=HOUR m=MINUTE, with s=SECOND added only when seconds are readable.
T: h=3 m=53 s=31
